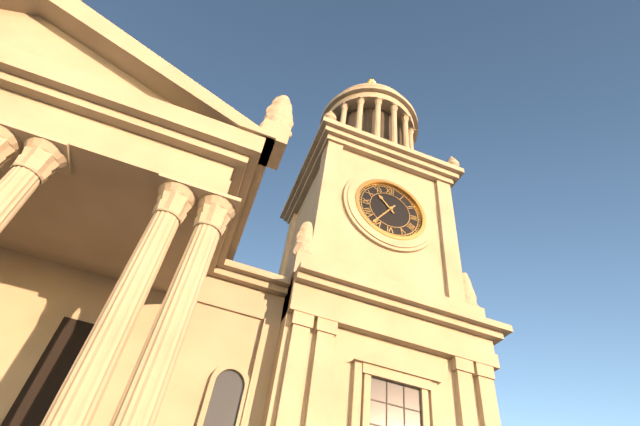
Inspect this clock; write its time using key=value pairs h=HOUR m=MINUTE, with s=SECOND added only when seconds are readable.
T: h=10 m=36
